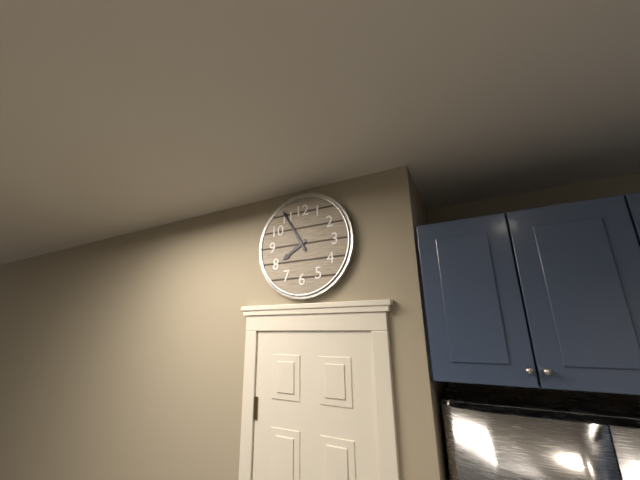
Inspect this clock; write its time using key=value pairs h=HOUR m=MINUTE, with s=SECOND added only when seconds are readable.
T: h=7 m=55
